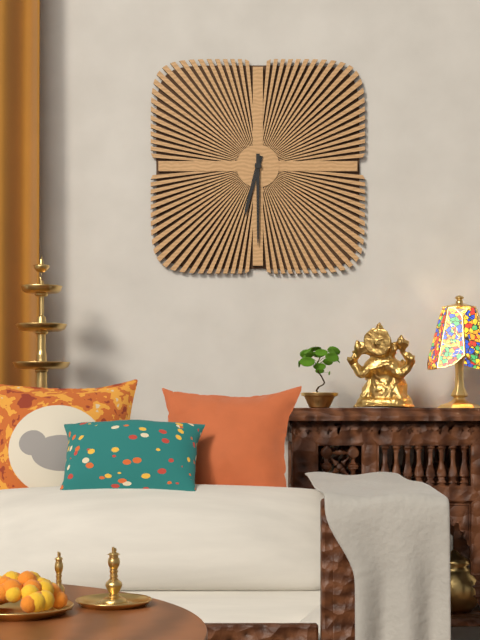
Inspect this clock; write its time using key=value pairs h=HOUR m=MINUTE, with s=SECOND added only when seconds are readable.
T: h=6 m=30
